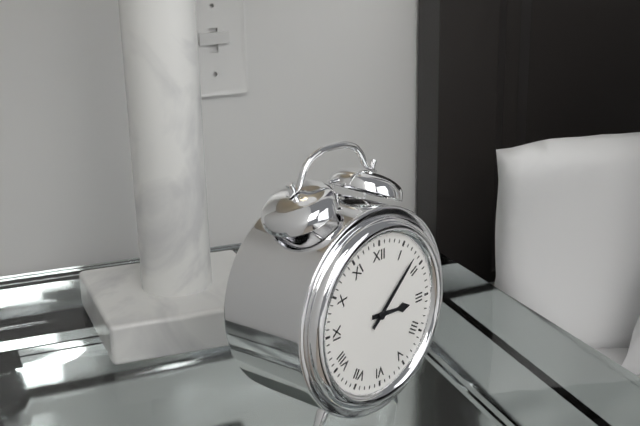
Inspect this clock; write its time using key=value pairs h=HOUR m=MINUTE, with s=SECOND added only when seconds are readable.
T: h=3 m=8
